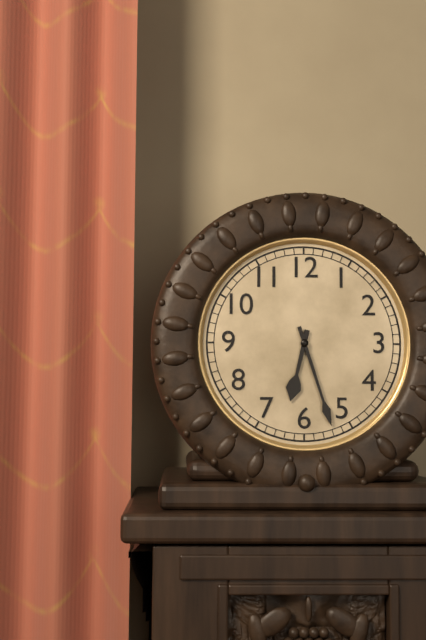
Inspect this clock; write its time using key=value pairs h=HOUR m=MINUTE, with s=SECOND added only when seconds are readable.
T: h=6 m=27
